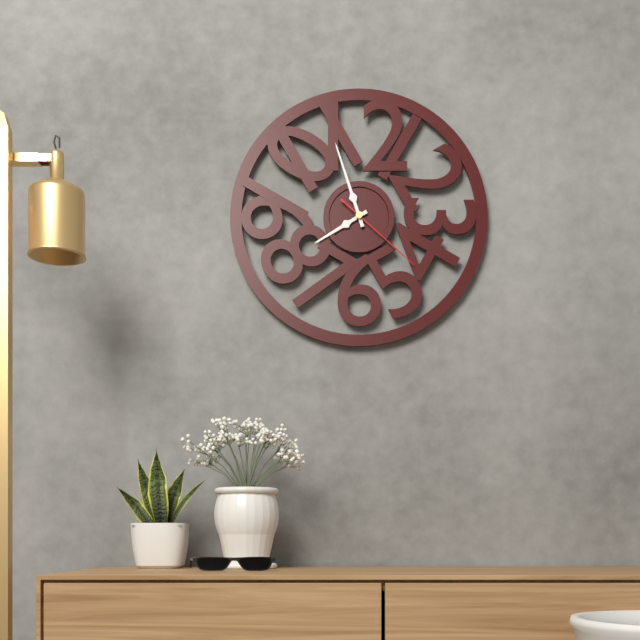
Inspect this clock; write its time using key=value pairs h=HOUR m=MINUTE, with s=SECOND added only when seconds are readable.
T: h=7 m=57 s=22
